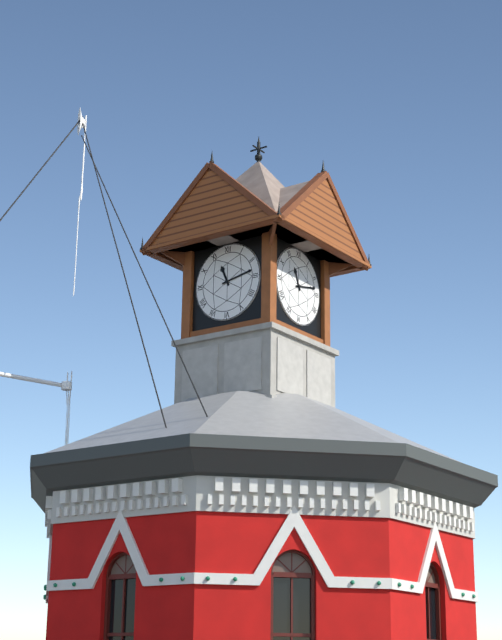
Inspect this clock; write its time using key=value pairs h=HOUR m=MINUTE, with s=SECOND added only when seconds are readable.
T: h=11 m=13
